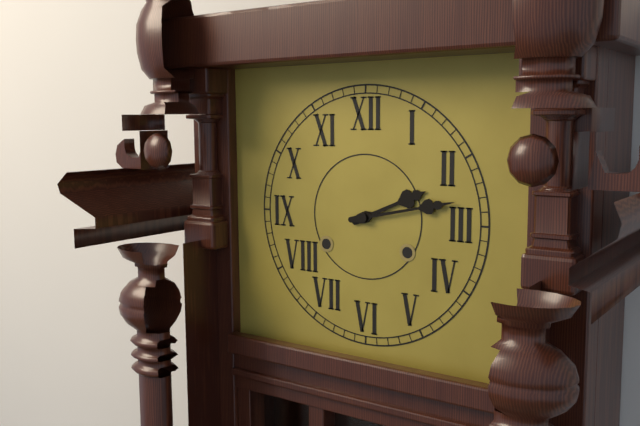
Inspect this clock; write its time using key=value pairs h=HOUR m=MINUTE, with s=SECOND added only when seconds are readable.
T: h=2 m=13
